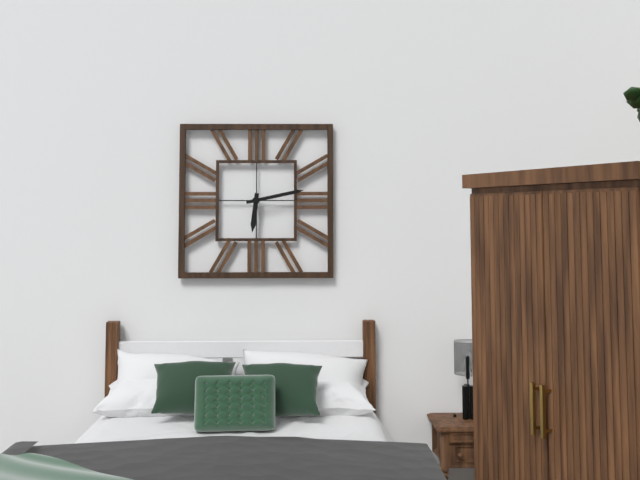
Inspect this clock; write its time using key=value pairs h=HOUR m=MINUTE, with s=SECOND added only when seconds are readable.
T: h=6 m=13
